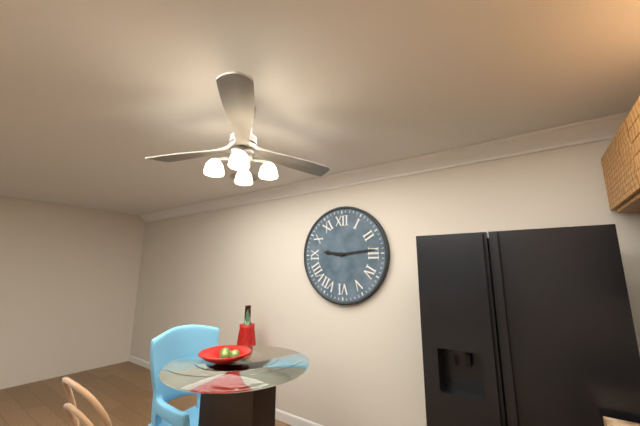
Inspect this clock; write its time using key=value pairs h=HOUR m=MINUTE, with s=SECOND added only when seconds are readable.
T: h=9 m=14
